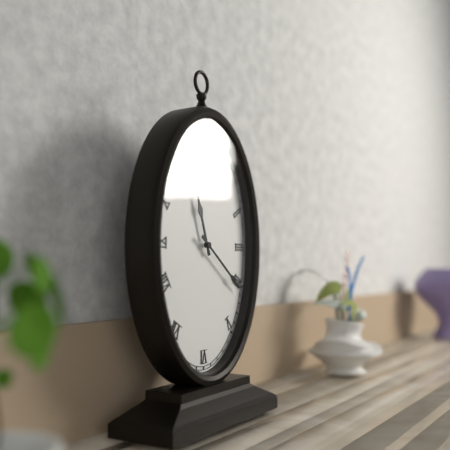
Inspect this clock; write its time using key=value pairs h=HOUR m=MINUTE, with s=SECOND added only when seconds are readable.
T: h=11 m=21
